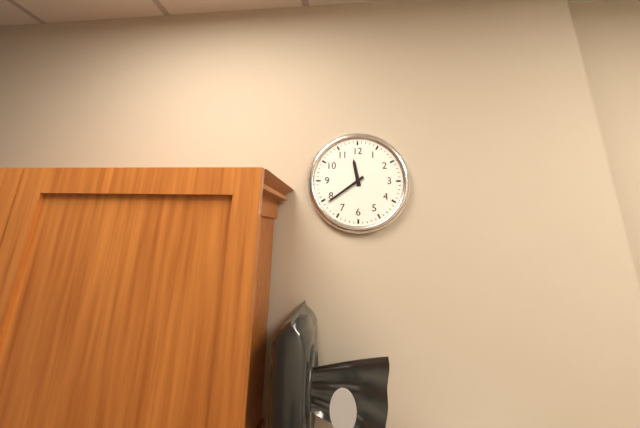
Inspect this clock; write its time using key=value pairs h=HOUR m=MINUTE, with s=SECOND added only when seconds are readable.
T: h=11 m=39
